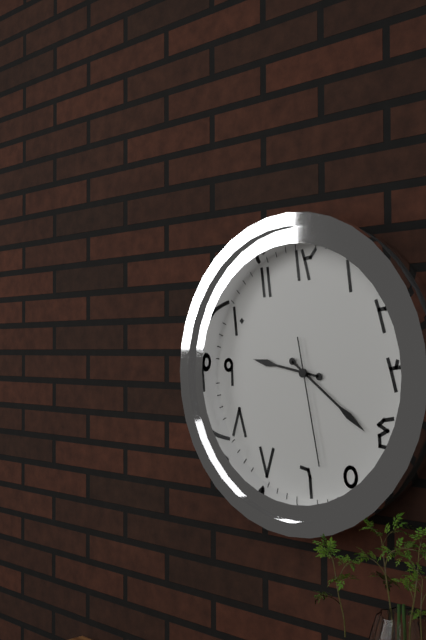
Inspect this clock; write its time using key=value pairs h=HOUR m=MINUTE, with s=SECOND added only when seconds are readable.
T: h=9 m=21 s=28
